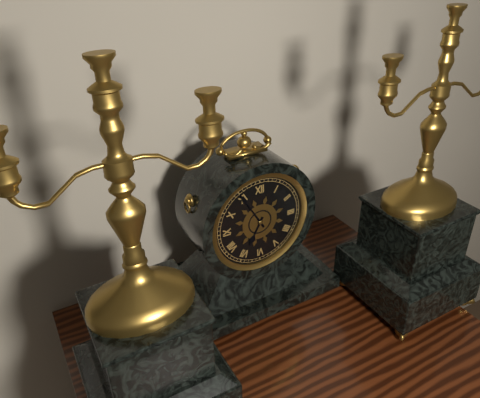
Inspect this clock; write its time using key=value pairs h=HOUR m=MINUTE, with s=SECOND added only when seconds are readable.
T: h=6 m=55
